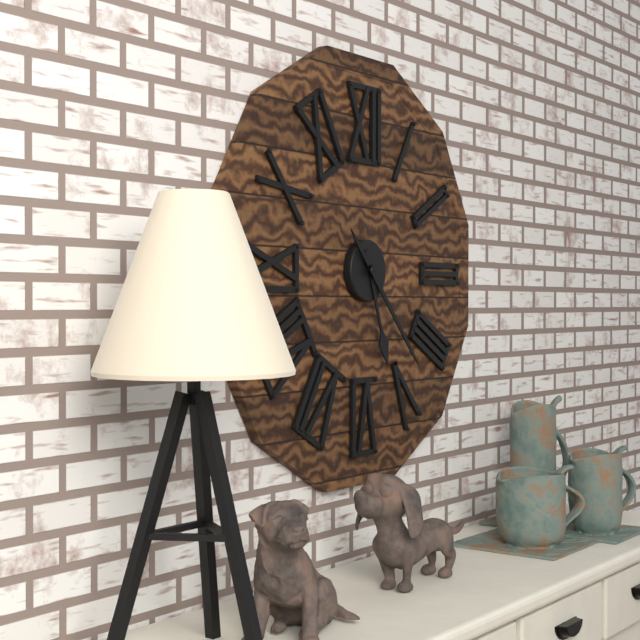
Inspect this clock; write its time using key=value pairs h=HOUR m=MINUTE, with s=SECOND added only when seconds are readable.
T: h=5 m=23
